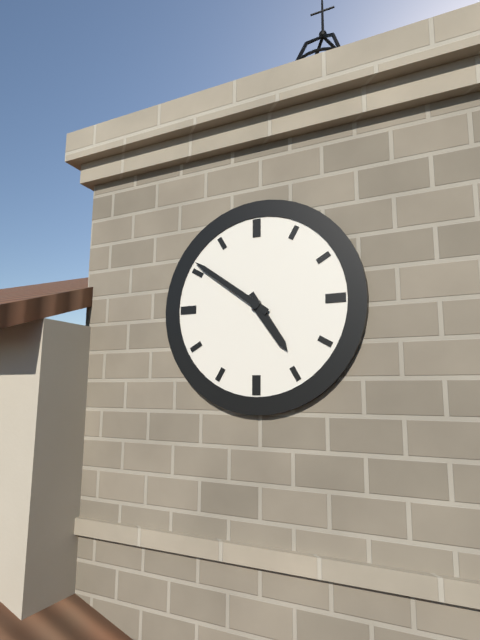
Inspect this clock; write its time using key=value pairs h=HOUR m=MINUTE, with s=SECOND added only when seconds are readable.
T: h=4 m=51
